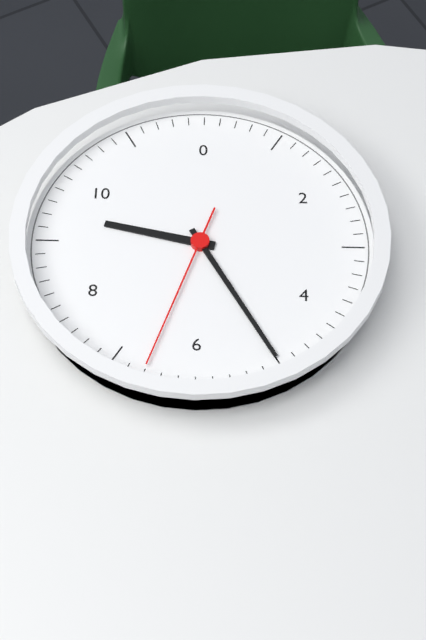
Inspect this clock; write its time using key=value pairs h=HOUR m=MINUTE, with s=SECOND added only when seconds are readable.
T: h=9 m=25 s=33
